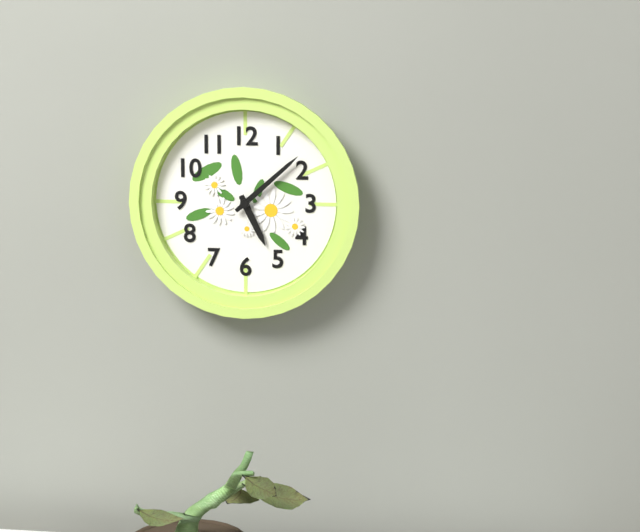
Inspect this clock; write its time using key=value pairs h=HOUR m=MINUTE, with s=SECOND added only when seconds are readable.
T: h=5 m=8
